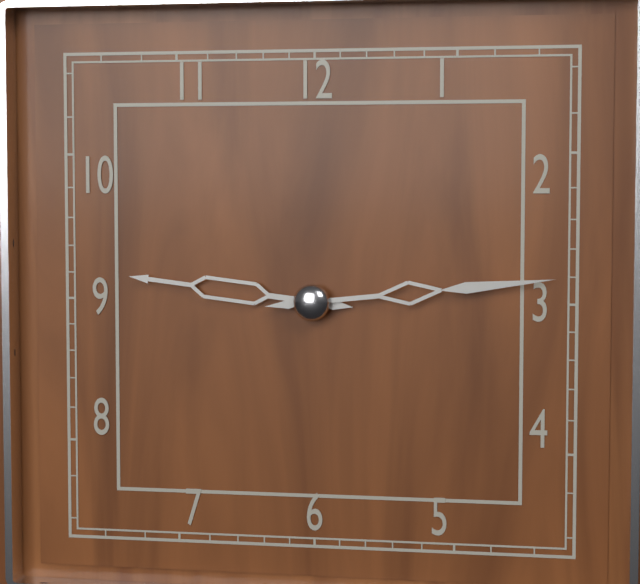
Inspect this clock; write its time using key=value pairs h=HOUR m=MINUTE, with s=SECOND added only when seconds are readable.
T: h=9 m=14
